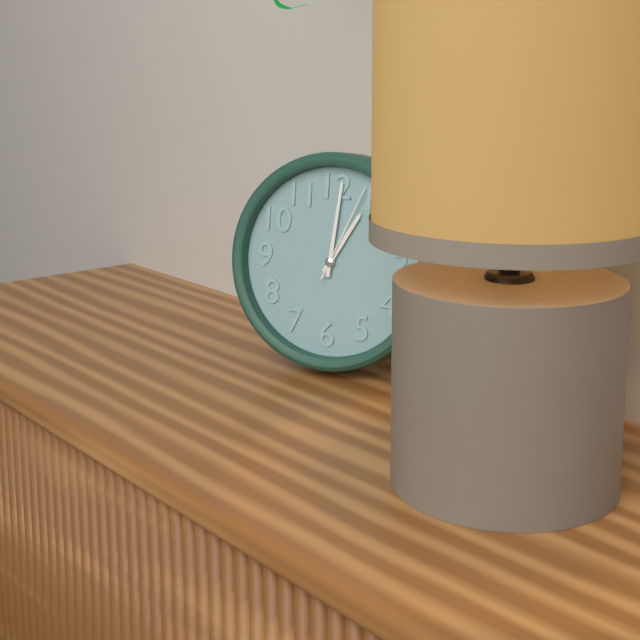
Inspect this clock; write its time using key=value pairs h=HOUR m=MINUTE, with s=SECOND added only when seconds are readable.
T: h=1 m=1 s=4
